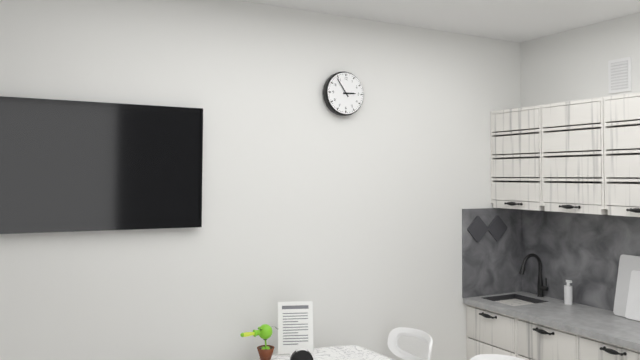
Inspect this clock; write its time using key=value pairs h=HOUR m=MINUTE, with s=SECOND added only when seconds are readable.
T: h=2 m=54
